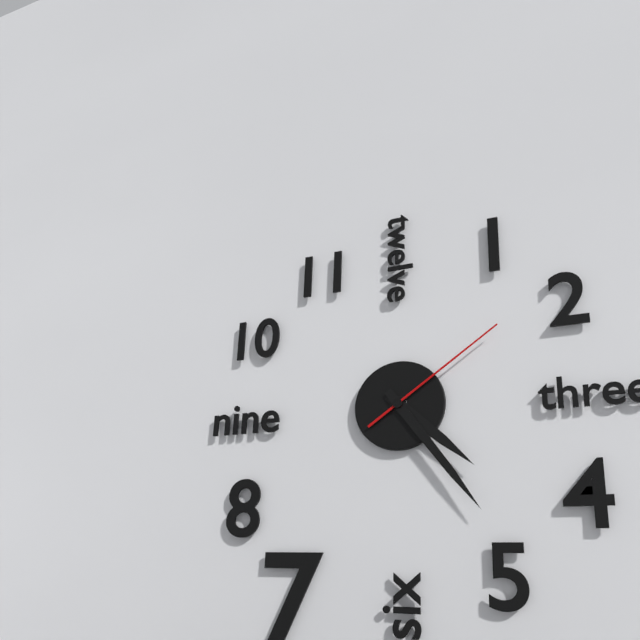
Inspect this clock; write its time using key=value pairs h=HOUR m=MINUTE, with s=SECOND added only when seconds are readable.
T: h=4 m=24 s=9
